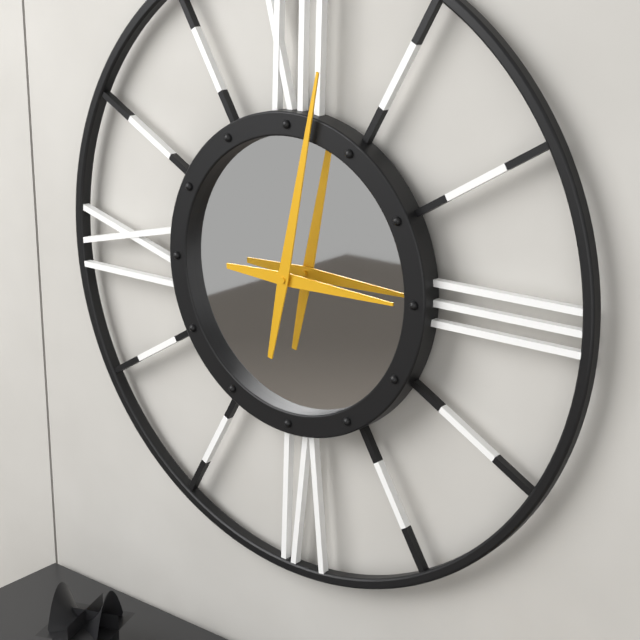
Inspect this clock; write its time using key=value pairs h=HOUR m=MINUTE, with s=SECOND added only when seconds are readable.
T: h=3 m=2
